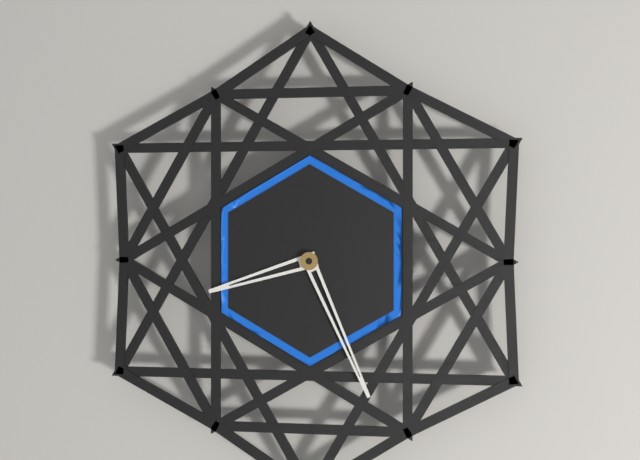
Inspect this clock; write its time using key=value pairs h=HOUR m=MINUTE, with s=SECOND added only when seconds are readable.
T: h=8 m=26
